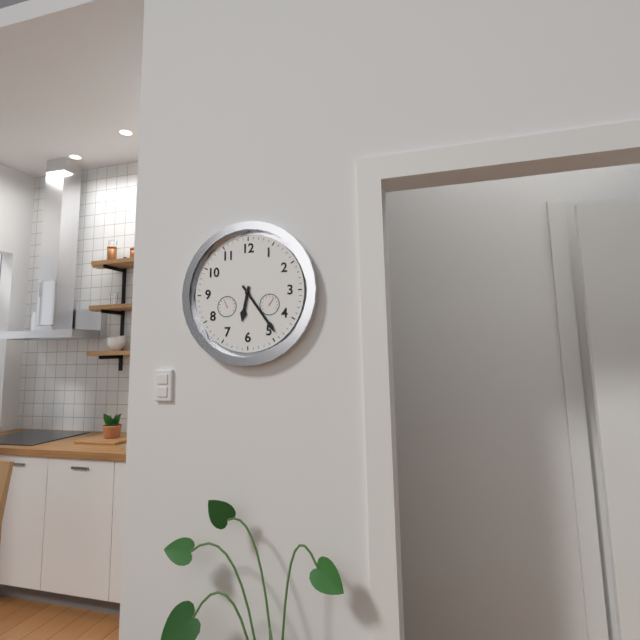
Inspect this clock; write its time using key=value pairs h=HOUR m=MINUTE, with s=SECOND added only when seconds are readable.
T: h=6 m=24
